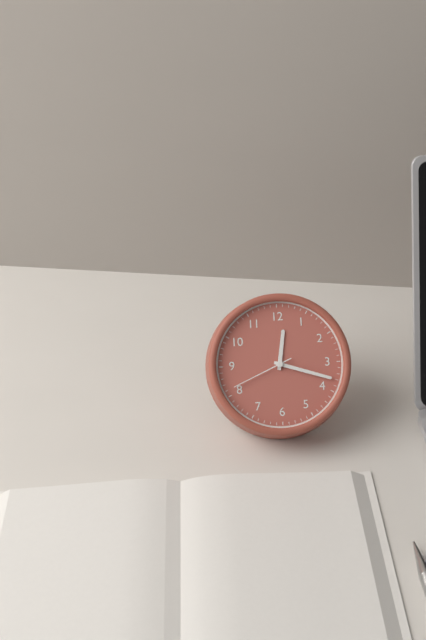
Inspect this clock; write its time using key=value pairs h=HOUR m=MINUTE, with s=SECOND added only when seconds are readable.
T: h=12 m=18 s=41
